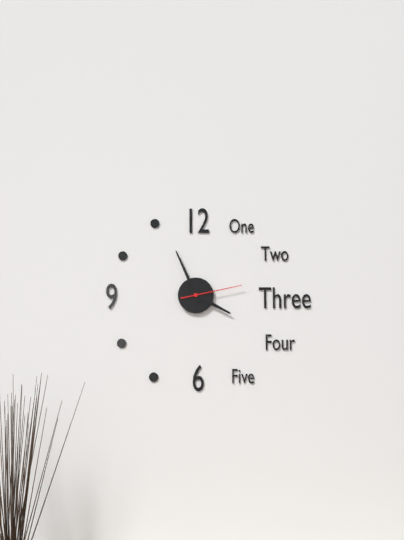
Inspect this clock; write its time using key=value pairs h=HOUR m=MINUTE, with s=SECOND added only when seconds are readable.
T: h=3 m=56 s=13
